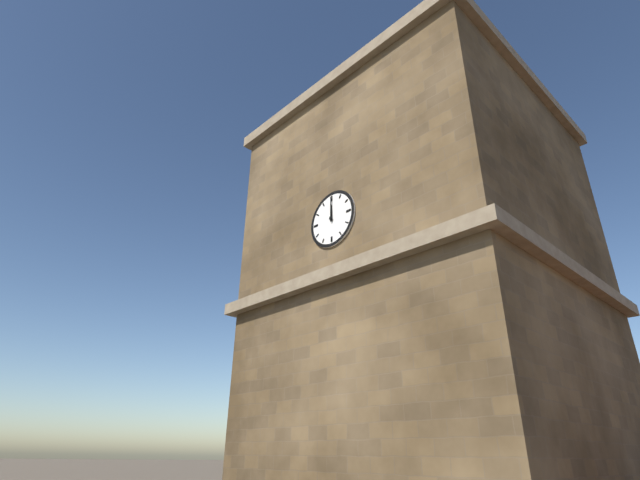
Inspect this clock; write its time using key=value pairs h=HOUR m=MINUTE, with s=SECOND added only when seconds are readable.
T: h=12 m=0
